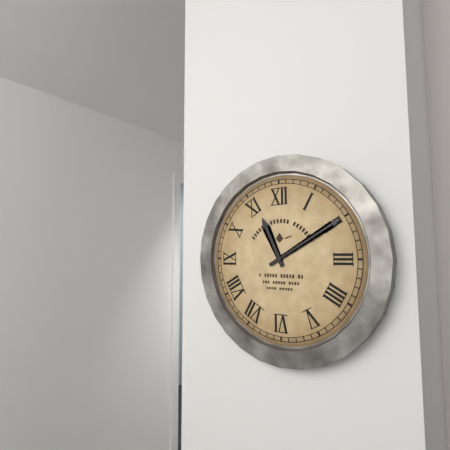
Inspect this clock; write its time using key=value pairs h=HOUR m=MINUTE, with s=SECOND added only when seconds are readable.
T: h=11 m=10
